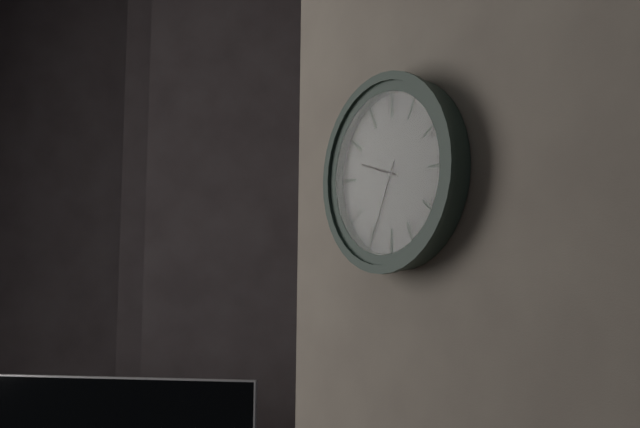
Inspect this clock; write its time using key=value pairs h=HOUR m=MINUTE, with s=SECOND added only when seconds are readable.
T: h=9 m=34
